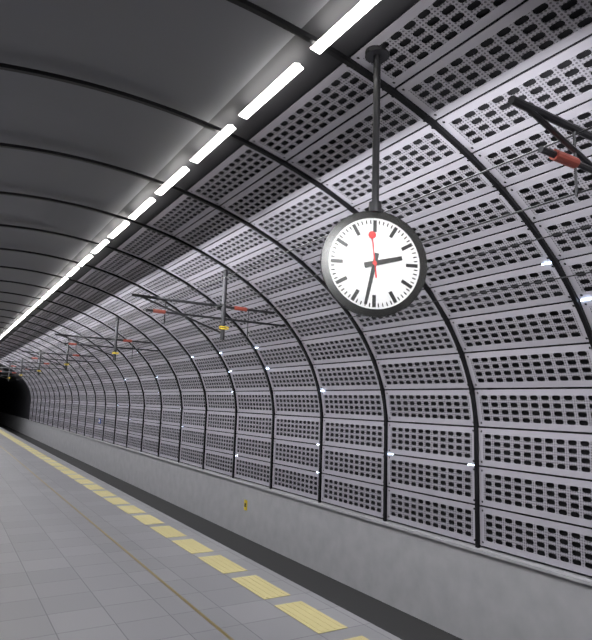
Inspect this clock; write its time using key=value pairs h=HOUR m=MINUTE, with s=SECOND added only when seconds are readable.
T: h=2 m=32
